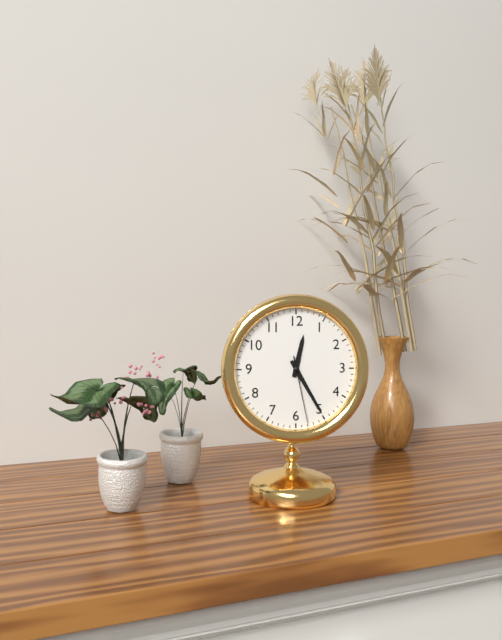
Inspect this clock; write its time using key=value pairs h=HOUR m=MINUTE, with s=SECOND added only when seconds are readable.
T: h=12 m=25 s=28
